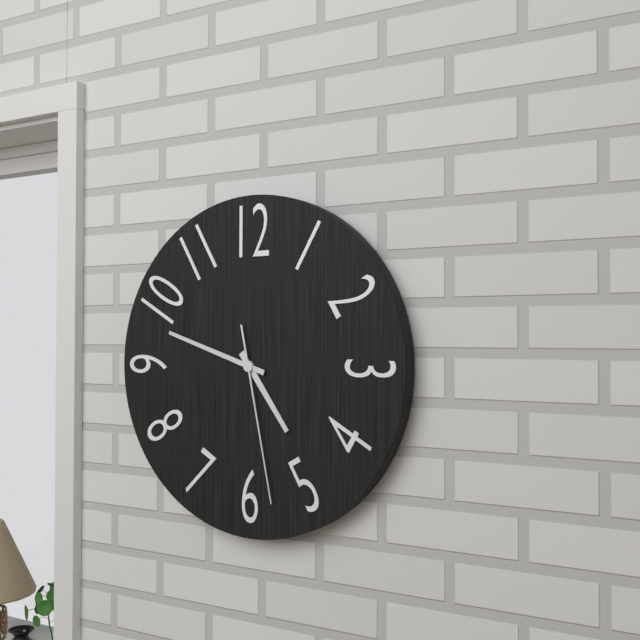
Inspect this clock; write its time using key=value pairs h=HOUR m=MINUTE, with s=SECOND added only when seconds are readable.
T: h=4 m=48 s=28
